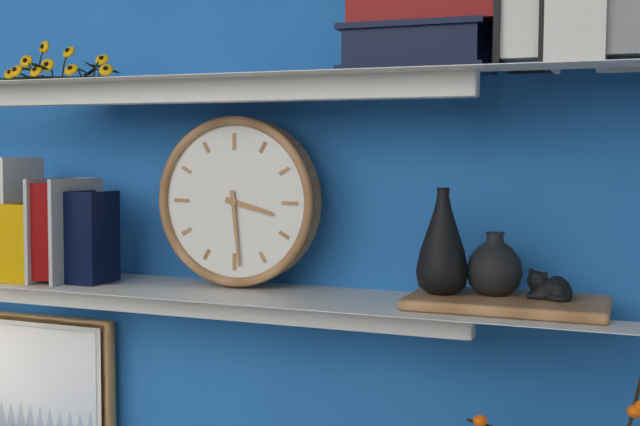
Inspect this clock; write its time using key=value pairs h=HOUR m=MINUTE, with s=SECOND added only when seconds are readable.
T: h=3 m=29
